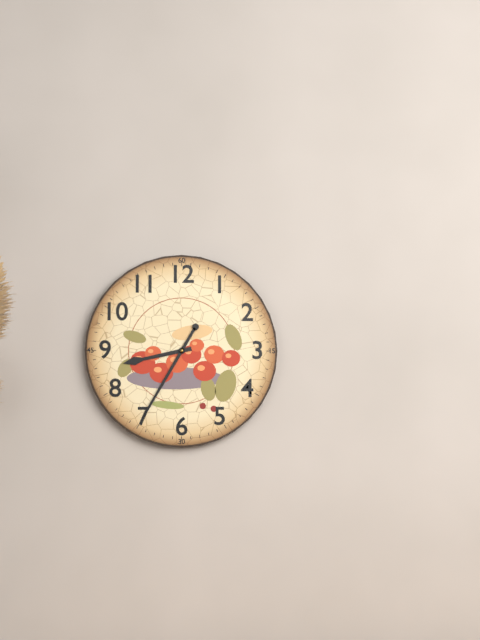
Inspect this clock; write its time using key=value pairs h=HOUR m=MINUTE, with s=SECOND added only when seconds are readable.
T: h=8 m=35
